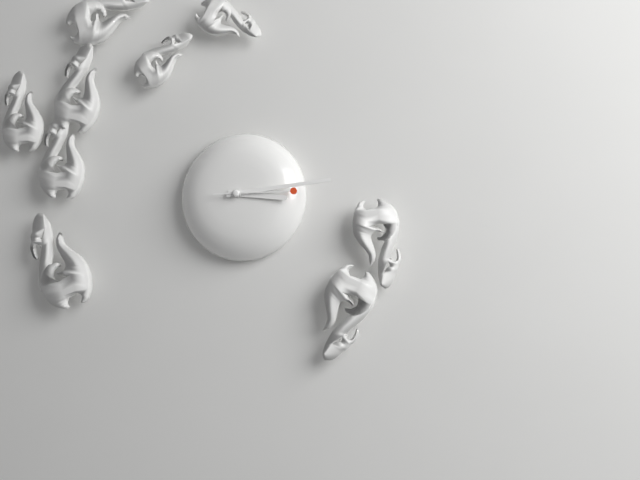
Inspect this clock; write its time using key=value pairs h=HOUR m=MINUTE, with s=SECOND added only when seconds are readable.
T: h=3 m=14 s=15
